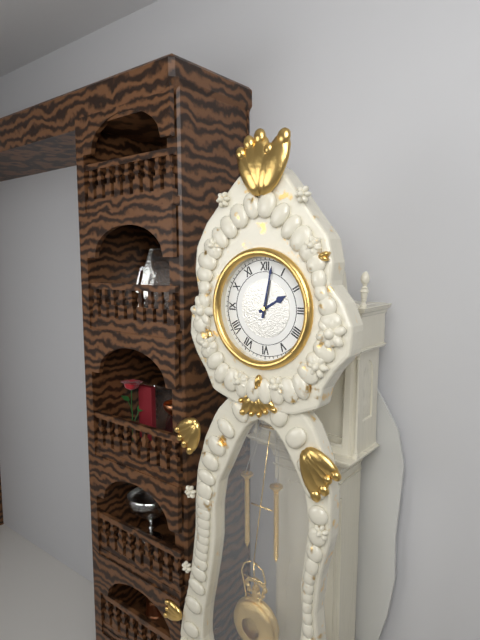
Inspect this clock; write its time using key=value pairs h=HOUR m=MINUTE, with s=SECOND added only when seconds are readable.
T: h=2 m=2
